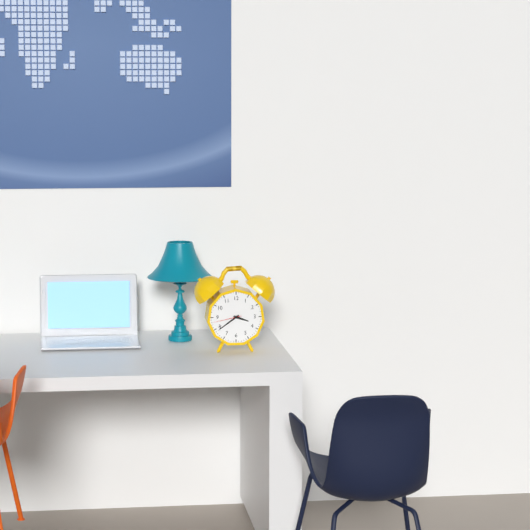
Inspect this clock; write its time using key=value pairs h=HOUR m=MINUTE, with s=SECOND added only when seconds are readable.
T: h=3 m=39
